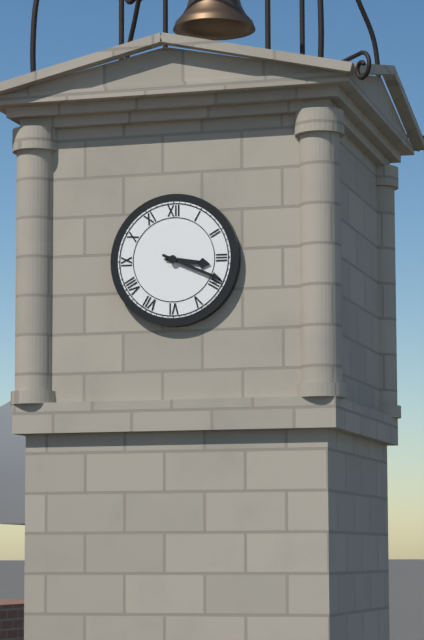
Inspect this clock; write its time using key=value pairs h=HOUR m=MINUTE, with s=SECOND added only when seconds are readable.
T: h=3 m=19
